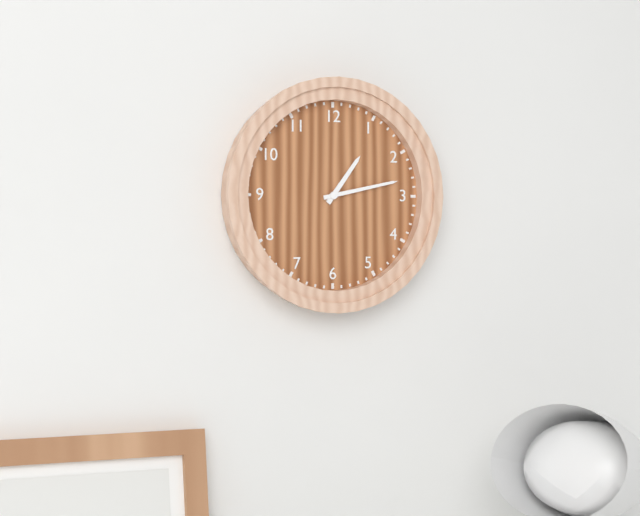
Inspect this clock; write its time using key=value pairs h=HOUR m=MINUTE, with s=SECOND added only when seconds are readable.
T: h=1 m=13
